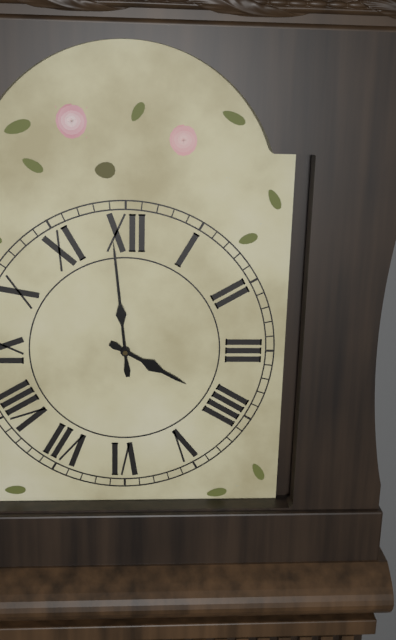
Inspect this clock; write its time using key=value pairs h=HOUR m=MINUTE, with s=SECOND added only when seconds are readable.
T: h=3 m=59
